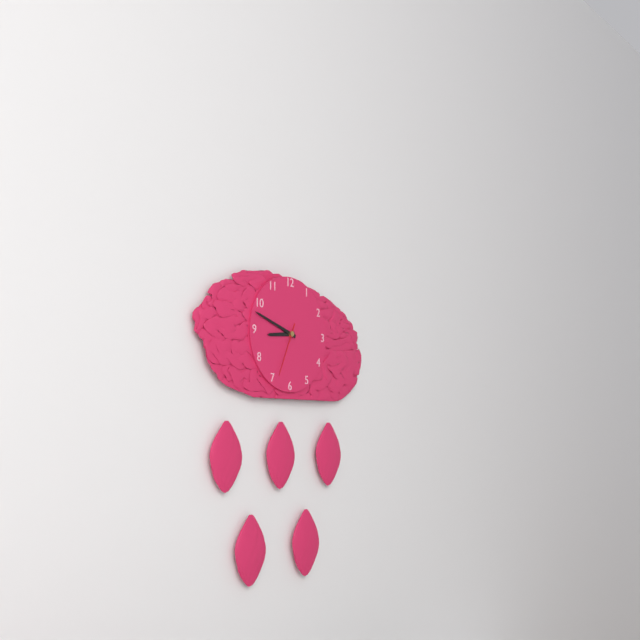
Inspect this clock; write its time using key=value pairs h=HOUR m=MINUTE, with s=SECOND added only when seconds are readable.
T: h=8 m=48 s=34
